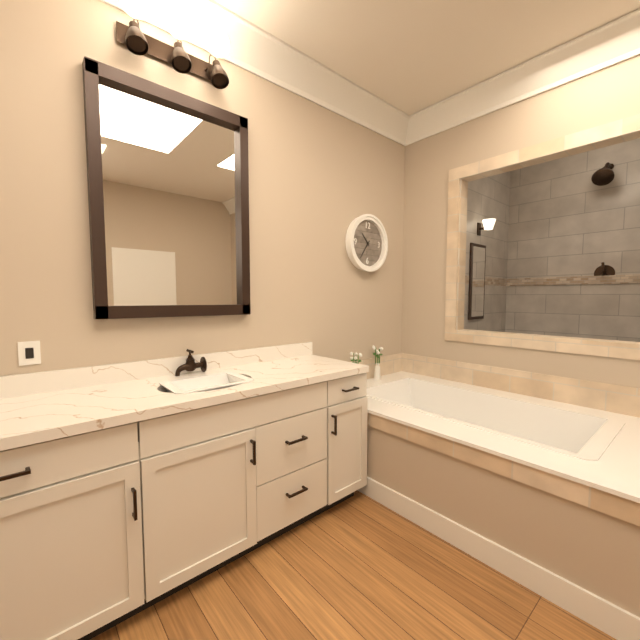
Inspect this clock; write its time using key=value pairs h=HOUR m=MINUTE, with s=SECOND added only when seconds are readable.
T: h=10 m=36
